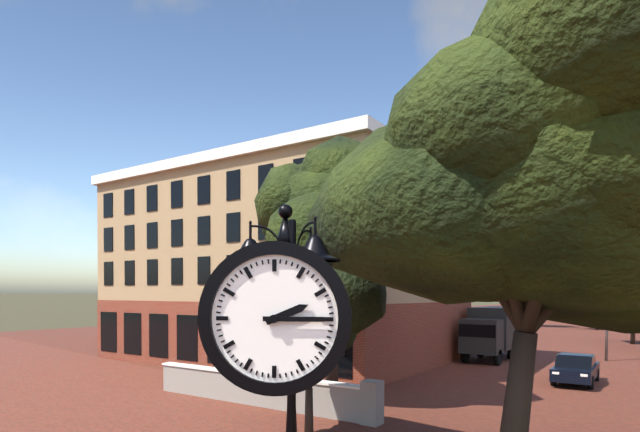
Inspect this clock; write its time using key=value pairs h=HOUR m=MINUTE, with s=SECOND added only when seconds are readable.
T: h=2 m=15
